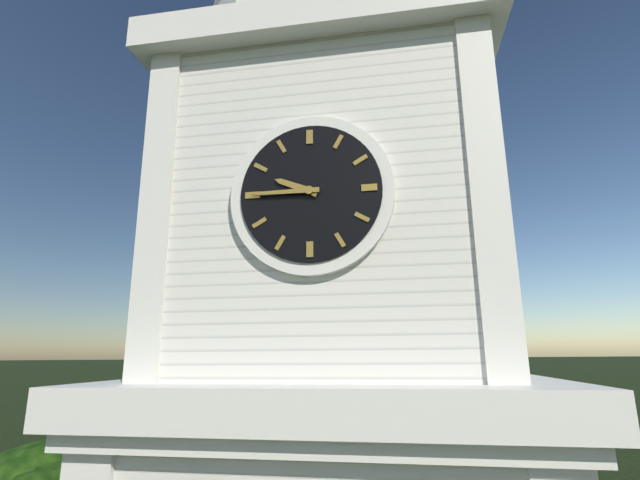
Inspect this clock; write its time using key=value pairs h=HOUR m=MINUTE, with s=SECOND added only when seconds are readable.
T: h=9 m=45
